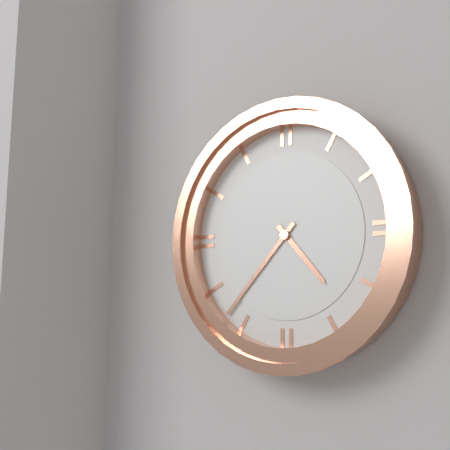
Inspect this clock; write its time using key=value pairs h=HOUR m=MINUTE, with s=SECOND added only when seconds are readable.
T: h=4 m=37
